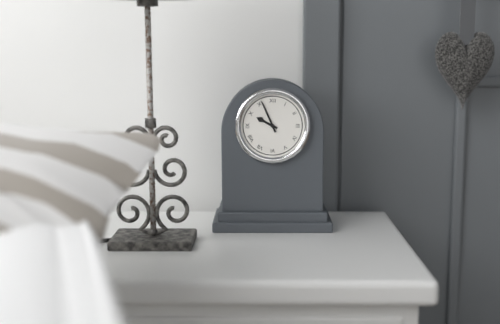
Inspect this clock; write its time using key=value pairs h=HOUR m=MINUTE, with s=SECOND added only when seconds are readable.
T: h=9 m=56
